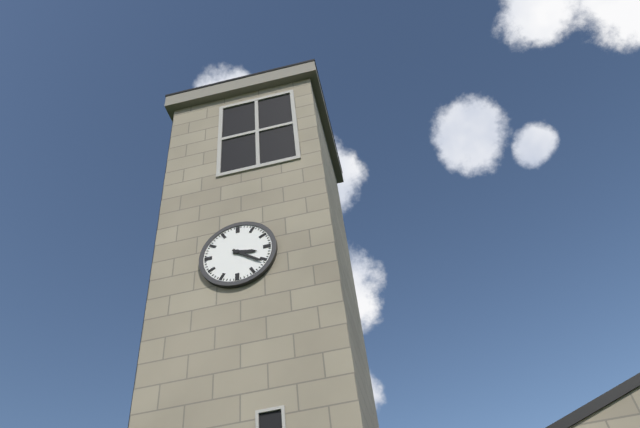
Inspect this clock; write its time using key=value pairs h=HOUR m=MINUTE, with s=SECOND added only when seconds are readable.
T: h=3 m=21
